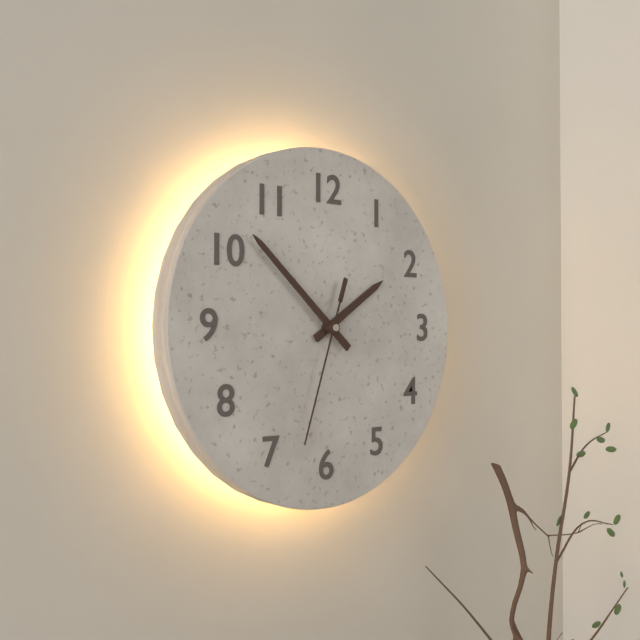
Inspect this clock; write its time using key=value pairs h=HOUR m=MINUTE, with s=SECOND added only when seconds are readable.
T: h=1 m=52 s=33
